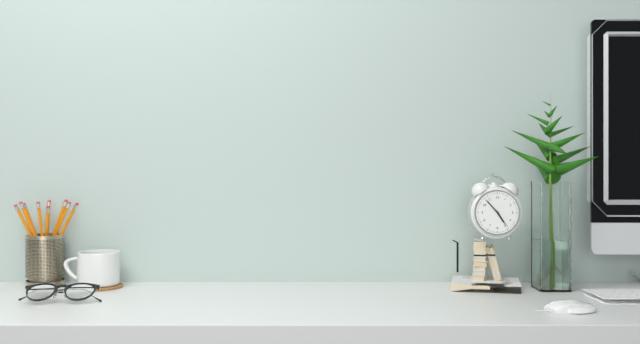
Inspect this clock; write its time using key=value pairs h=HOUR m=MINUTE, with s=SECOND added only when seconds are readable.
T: h=4 m=53
